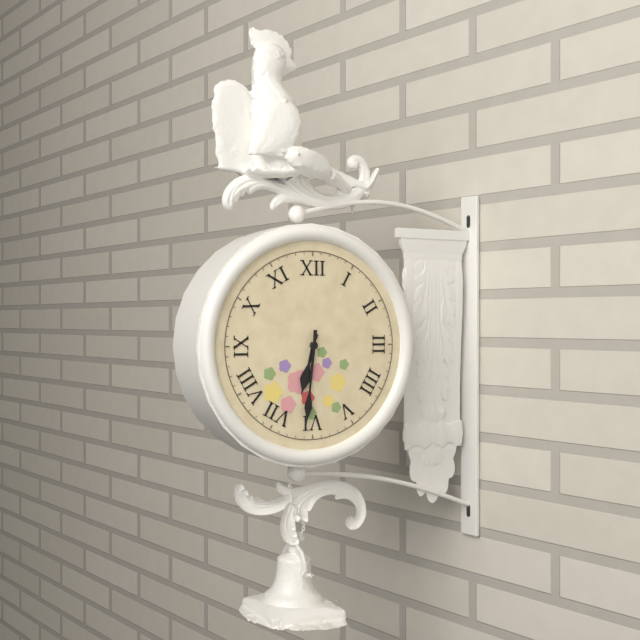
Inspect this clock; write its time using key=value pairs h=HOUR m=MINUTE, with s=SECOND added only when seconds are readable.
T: h=6 m=31
